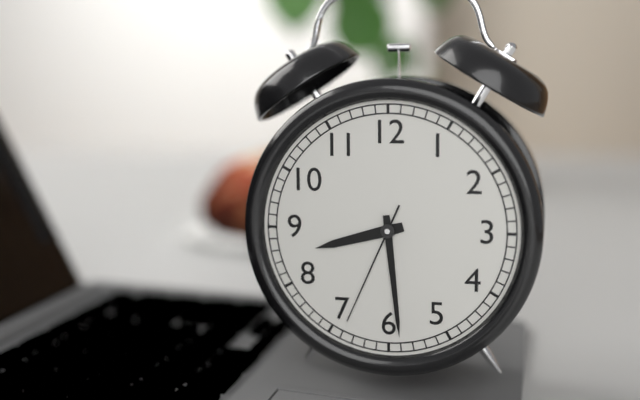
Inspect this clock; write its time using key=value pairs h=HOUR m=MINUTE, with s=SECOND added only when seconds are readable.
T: h=8 m=29 s=34
